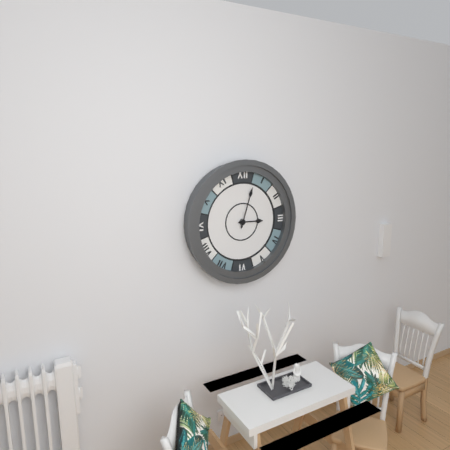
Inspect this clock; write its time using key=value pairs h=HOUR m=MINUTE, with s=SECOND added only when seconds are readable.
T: h=3 m=3
